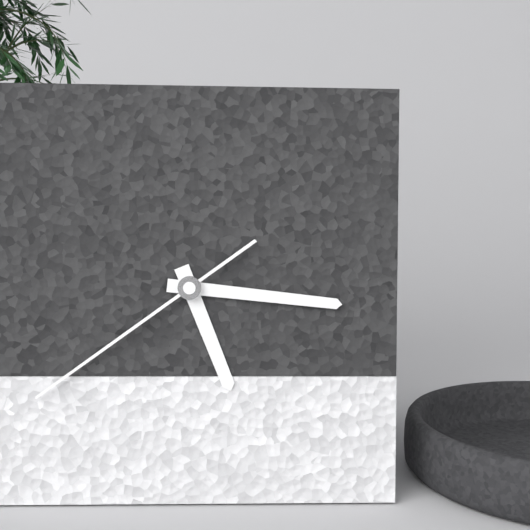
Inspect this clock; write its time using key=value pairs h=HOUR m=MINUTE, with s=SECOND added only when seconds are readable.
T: h=5 m=16 s=39
